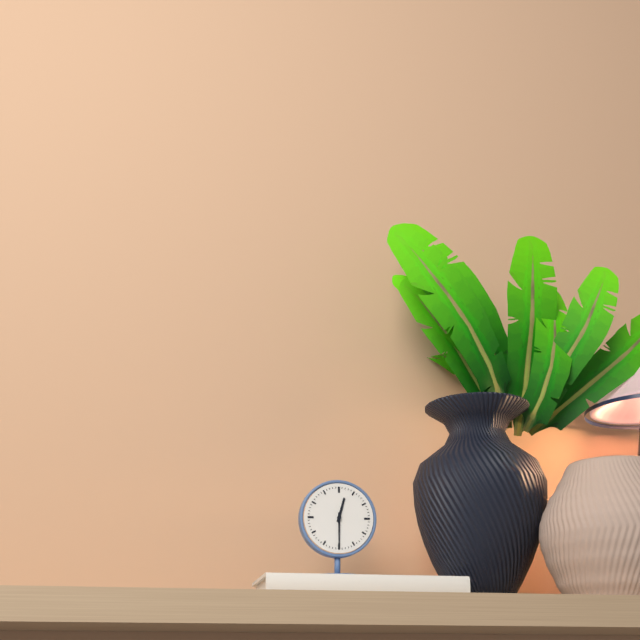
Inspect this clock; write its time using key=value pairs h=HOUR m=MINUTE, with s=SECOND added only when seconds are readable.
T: h=12 m=30
